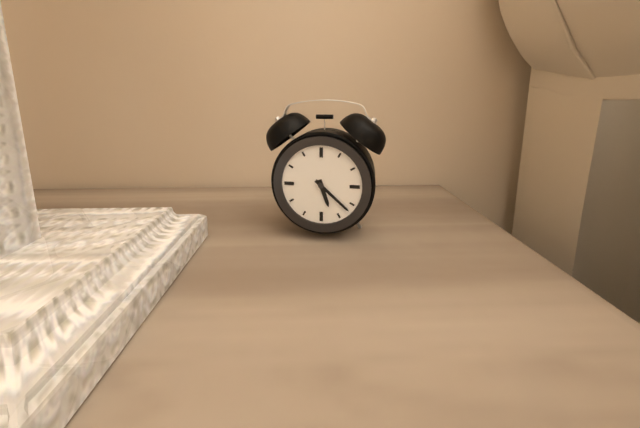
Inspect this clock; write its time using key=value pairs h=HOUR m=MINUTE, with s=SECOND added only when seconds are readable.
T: h=5 m=22
